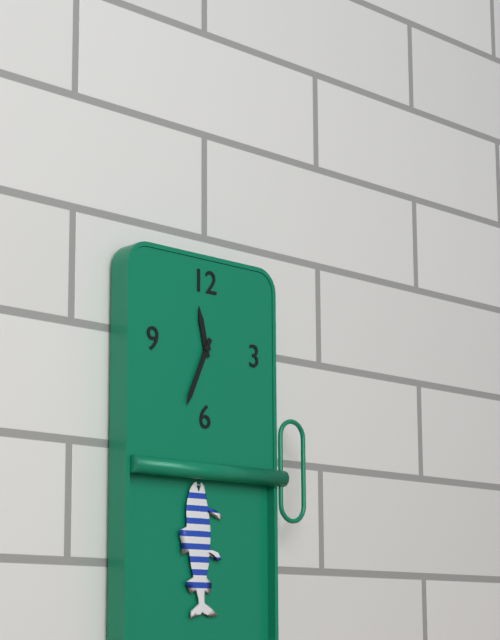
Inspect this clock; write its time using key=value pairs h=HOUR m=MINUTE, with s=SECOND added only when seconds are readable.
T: h=11 m=34
